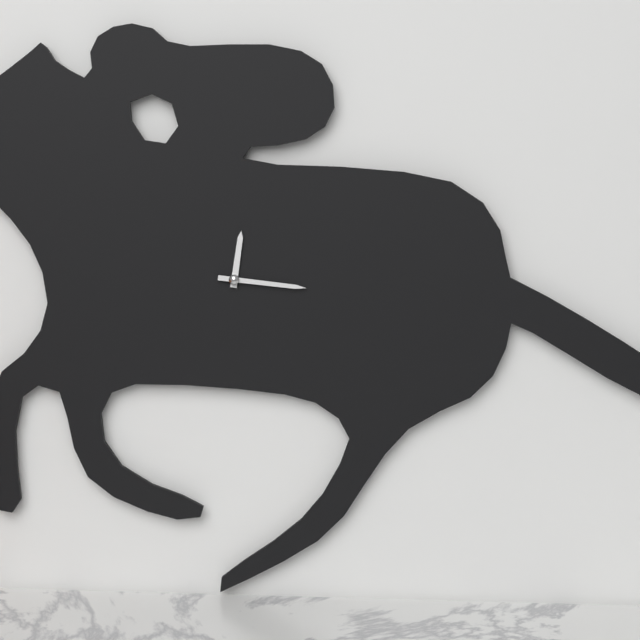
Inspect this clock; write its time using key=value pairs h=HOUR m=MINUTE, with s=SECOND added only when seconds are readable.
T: h=12 m=16
